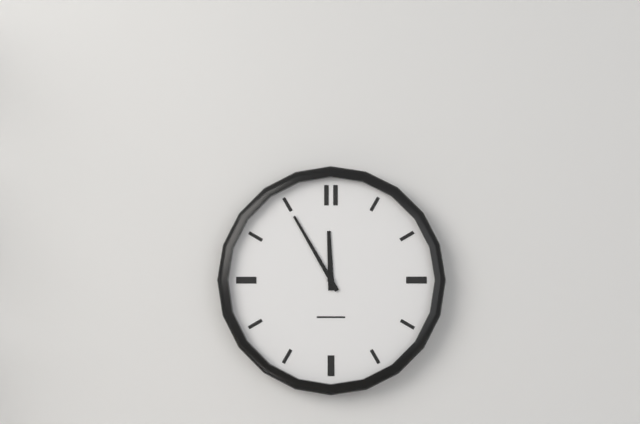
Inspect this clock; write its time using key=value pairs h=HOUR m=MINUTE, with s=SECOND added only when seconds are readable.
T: h=11 m=55
